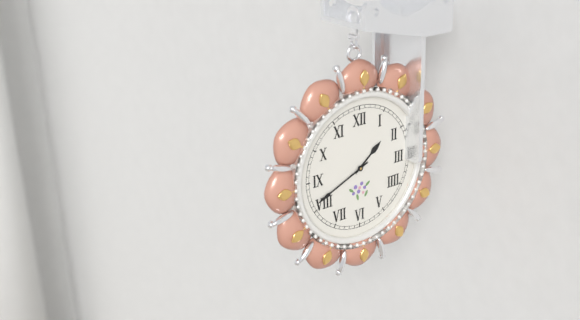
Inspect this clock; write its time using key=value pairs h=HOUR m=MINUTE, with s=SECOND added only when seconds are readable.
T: h=1 m=41
